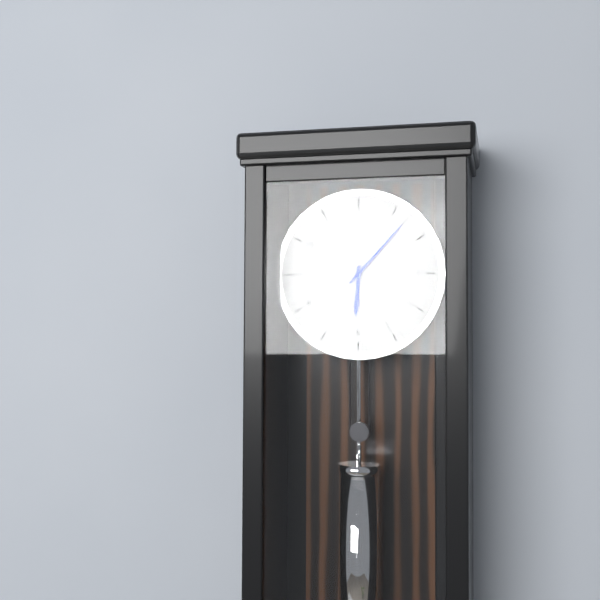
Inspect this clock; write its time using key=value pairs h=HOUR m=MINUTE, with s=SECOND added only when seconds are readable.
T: h=6 m=7
